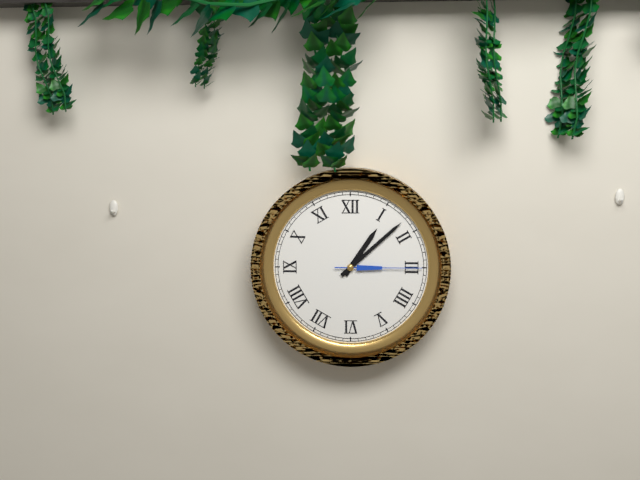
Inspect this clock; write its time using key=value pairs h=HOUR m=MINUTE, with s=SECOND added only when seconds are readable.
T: h=1 m=8 s=15
